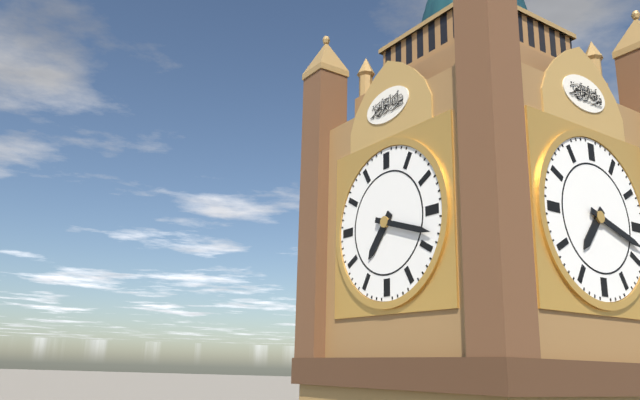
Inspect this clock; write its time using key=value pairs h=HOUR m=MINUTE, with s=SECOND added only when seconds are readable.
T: h=7 m=18
